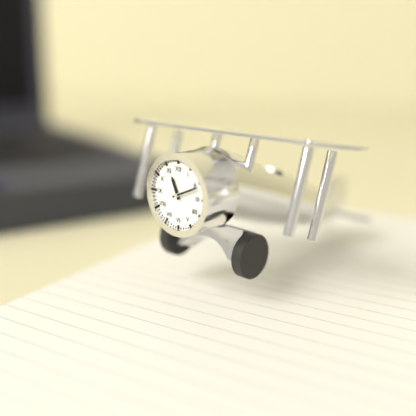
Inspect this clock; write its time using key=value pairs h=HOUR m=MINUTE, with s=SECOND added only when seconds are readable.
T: h=11 m=11
